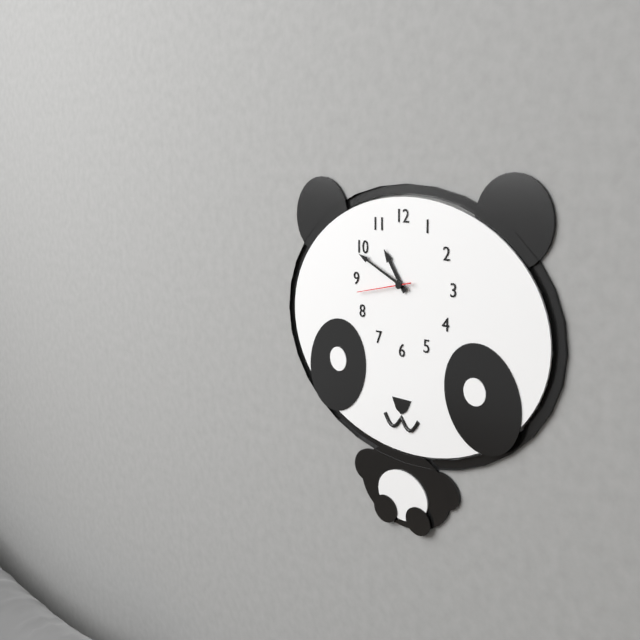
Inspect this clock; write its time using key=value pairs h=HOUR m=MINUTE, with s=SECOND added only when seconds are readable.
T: h=10 m=49 s=43
